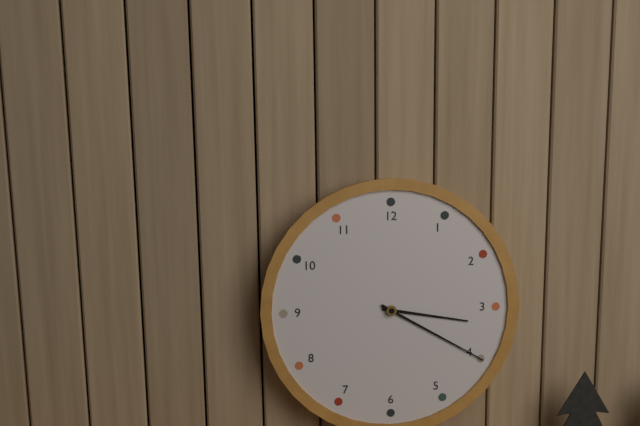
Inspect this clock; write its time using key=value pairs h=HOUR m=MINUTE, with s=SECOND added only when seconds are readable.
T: h=3 m=20
